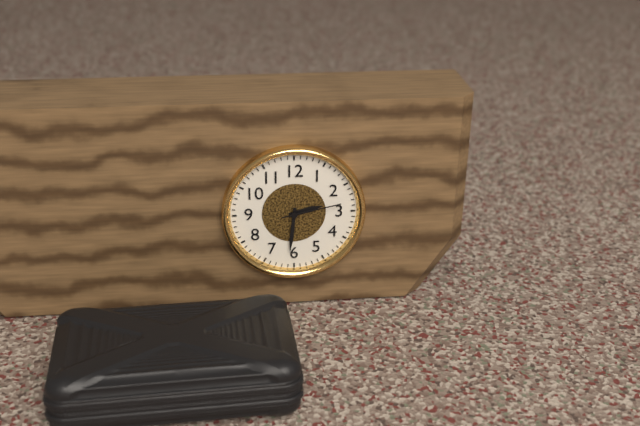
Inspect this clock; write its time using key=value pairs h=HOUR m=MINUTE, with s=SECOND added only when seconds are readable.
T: h=2 m=31 s=13
